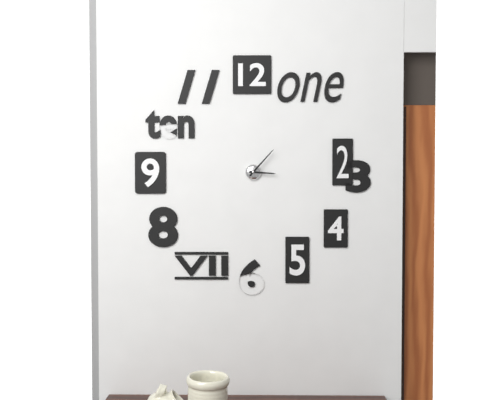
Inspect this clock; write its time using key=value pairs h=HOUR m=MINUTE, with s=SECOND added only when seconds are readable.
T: h=3 m=7
